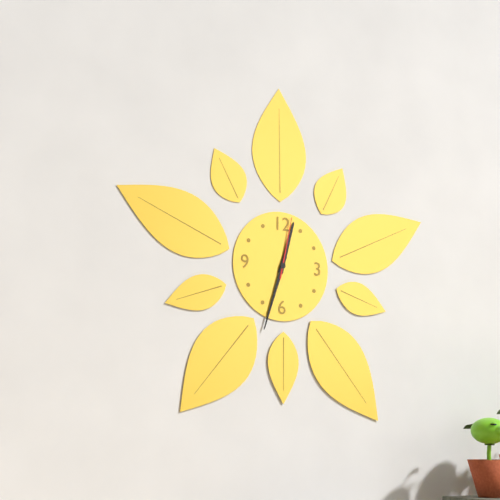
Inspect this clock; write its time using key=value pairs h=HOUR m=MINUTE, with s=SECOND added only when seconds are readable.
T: h=12 m=33 s=2
